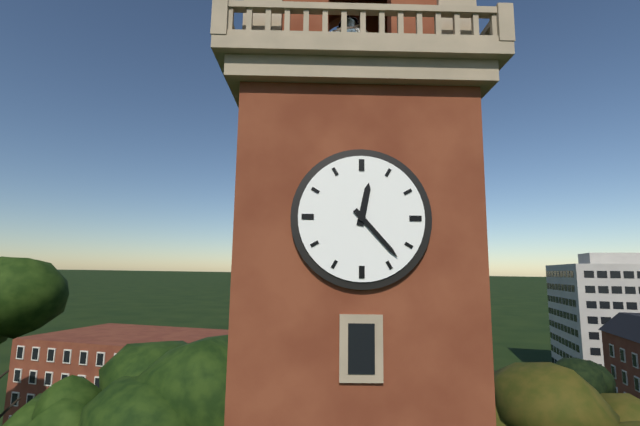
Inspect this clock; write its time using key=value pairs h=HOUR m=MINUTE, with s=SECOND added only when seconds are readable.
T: h=12 m=23
